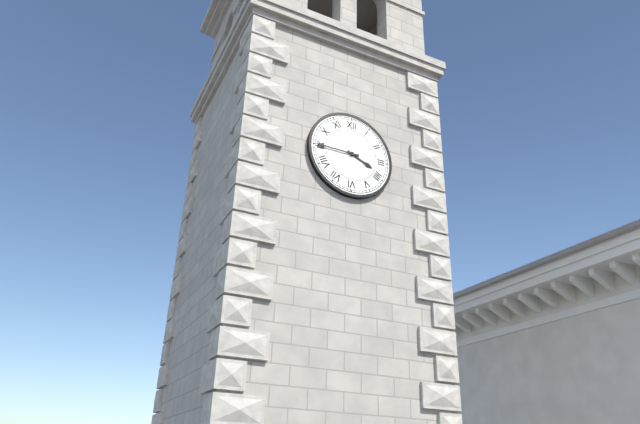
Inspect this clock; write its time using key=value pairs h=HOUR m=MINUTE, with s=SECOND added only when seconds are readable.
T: h=3 m=45
